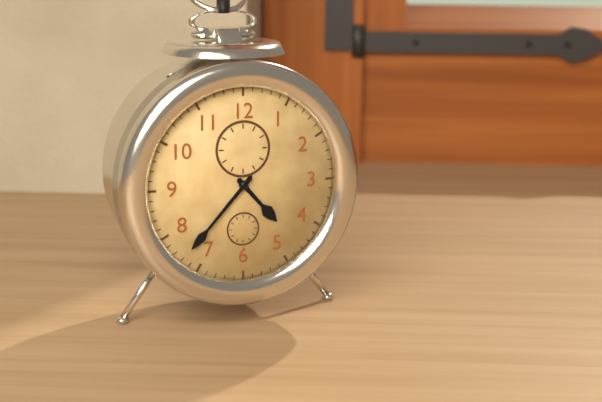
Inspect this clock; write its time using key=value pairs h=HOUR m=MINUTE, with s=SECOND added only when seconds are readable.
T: h=4 m=37
